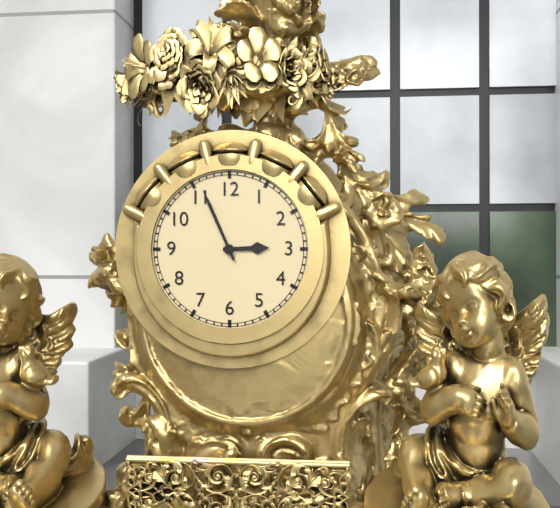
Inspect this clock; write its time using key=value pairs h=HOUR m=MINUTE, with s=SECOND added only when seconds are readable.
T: h=2 m=56
